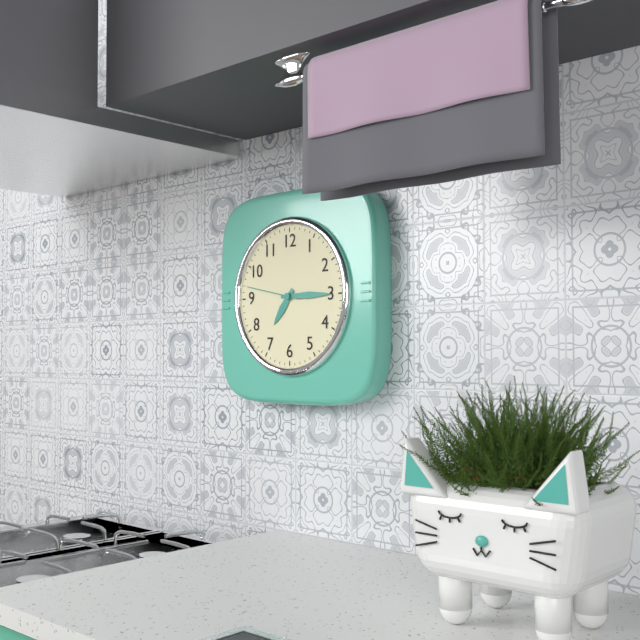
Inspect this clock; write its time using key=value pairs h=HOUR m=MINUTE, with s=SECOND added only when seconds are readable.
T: h=7 m=15 s=47
